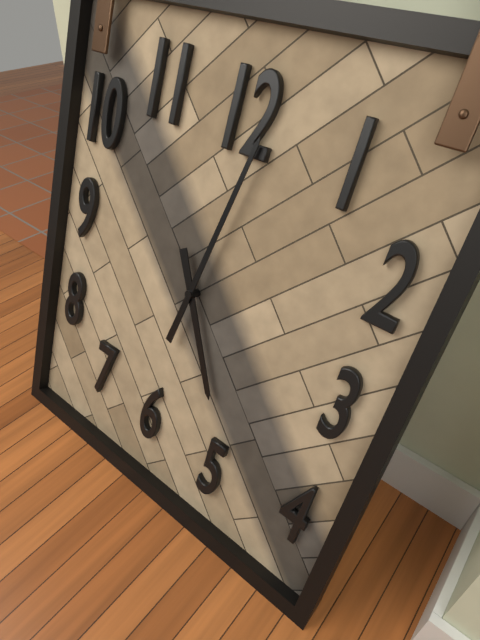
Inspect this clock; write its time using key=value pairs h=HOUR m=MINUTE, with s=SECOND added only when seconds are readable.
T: h=5 m=2
